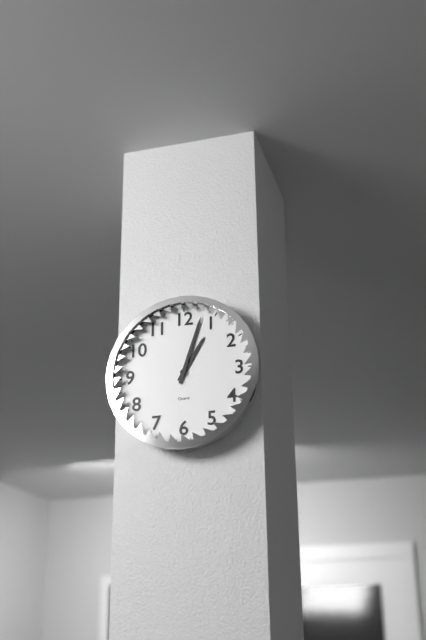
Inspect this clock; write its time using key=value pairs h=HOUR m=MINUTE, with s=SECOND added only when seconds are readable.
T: h=1 m=3
